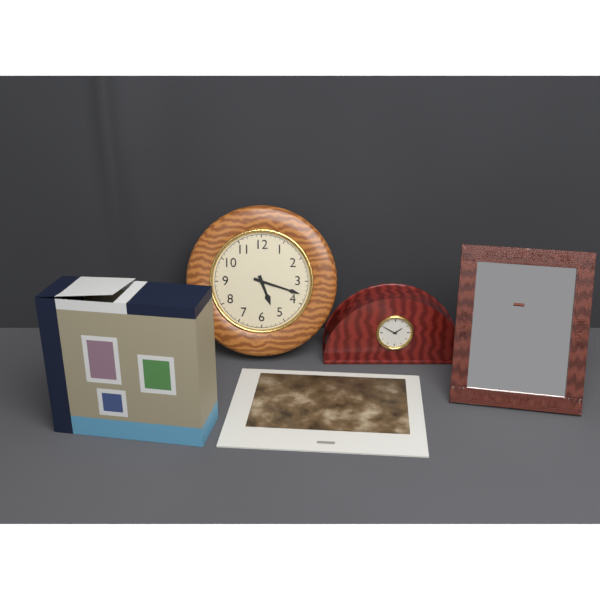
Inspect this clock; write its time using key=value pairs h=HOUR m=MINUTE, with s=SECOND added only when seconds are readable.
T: h=5 m=18
